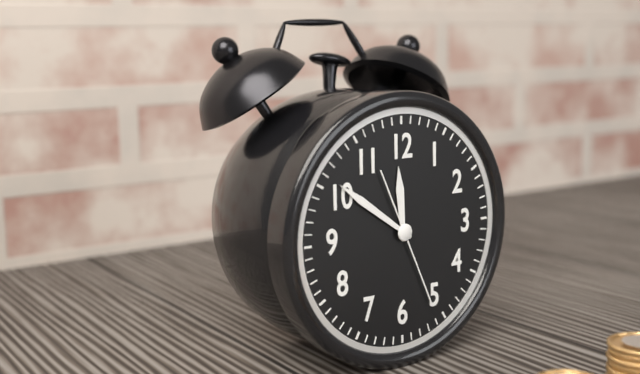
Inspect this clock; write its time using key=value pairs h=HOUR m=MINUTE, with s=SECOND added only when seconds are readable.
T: h=11 m=51 s=26
